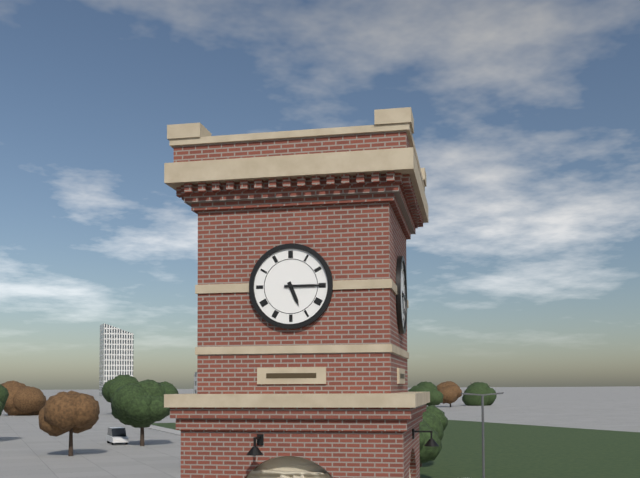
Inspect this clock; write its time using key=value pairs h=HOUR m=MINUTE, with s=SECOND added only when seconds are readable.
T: h=5 m=15
